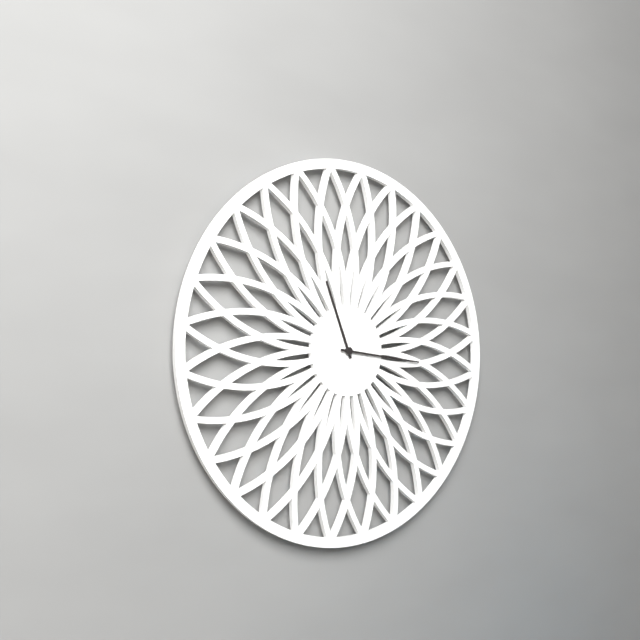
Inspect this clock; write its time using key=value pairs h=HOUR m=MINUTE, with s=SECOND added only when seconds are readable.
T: h=11 m=16
